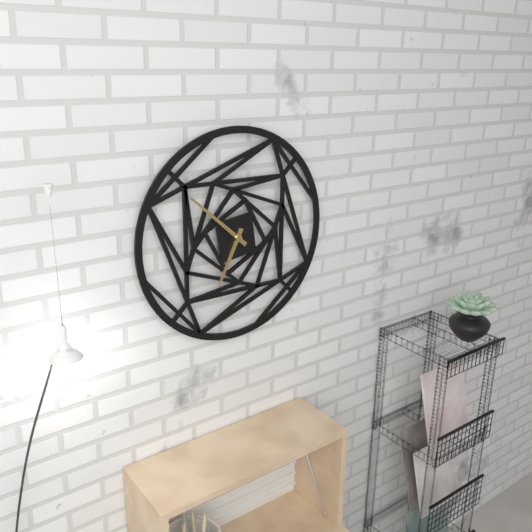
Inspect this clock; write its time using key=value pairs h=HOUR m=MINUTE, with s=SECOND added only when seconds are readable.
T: h=6 m=52
